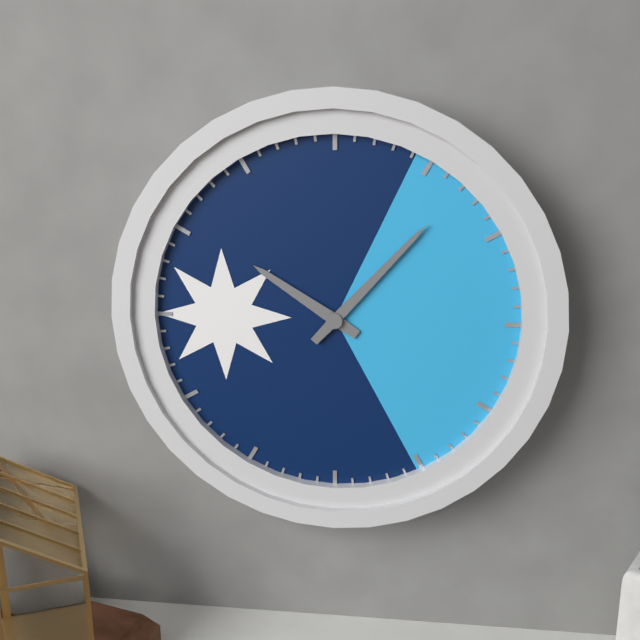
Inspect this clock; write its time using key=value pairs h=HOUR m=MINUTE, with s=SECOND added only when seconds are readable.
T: h=10 m=7
